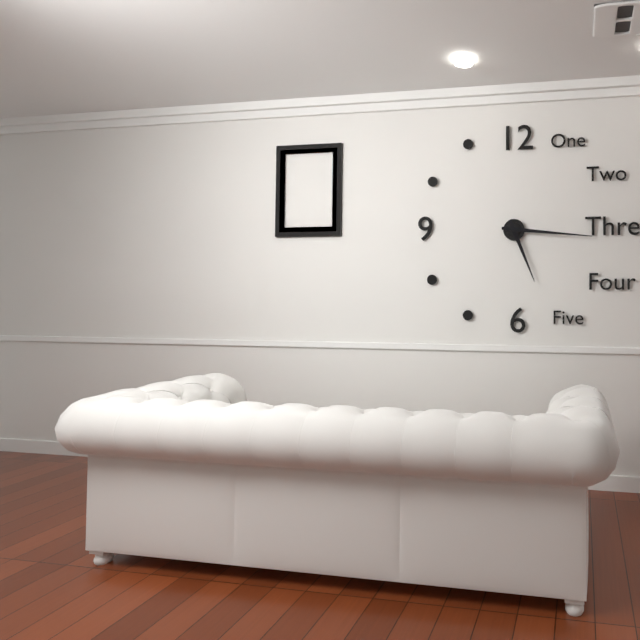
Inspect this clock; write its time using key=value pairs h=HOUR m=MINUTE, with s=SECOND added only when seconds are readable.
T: h=5 m=16
